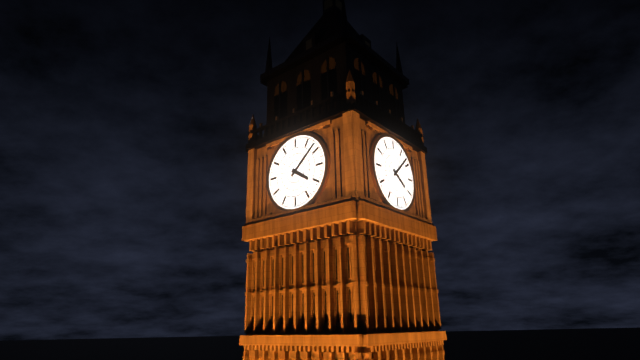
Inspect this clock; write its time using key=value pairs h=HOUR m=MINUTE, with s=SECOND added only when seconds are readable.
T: h=4 m=8
